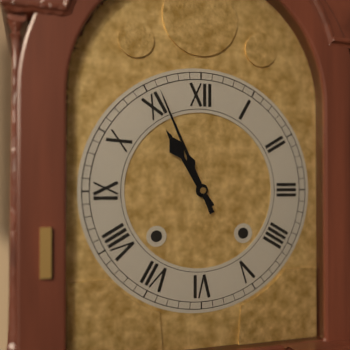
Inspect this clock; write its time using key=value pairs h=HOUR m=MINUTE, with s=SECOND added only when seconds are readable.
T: h=10 m=56
